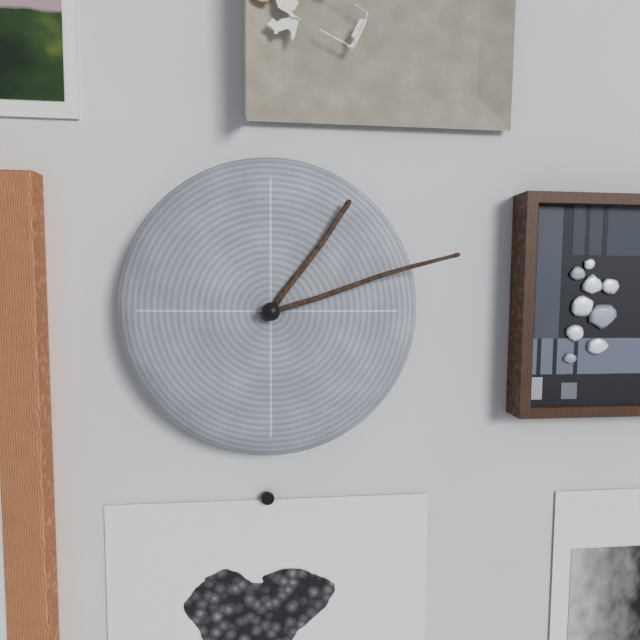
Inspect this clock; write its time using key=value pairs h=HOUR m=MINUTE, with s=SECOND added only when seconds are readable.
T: h=1 m=12
